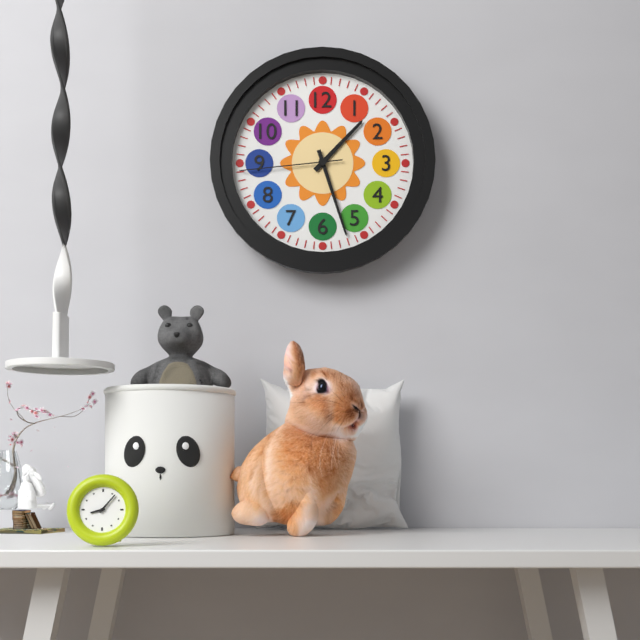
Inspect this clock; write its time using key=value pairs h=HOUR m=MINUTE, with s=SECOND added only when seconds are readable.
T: h=1 m=27 s=44
